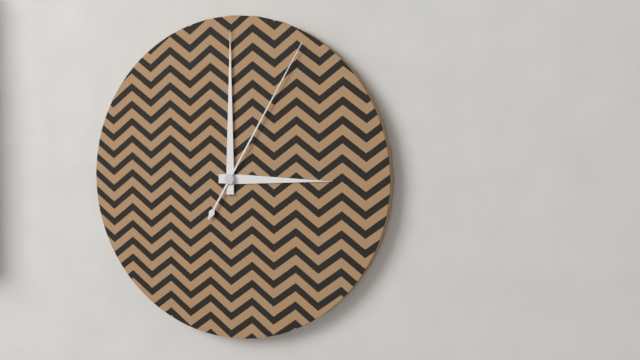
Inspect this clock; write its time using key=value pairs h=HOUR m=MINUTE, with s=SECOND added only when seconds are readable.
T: h=3 m=0 s=5
